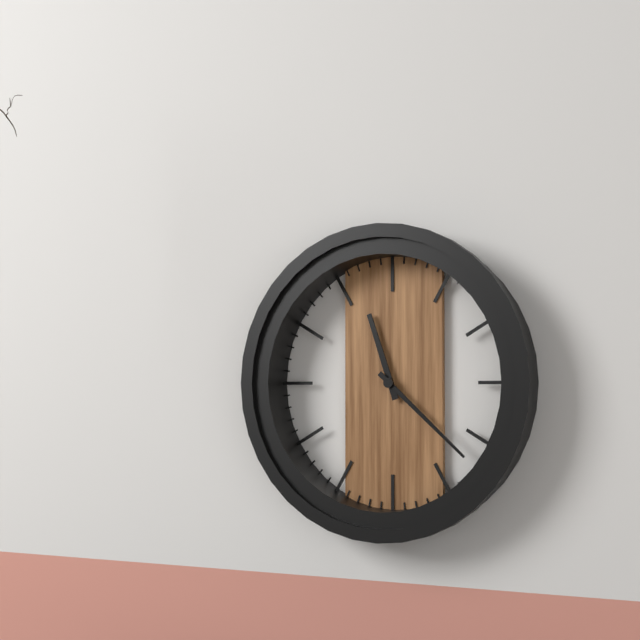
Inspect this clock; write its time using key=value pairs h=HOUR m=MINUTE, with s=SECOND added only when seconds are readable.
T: h=11 m=22
